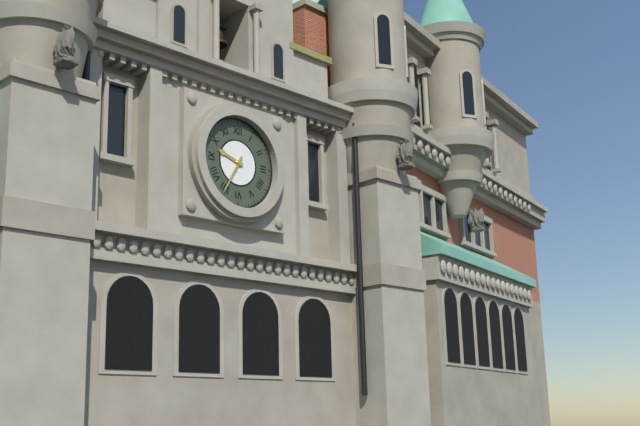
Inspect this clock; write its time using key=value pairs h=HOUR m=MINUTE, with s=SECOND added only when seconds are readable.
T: h=9 m=35
